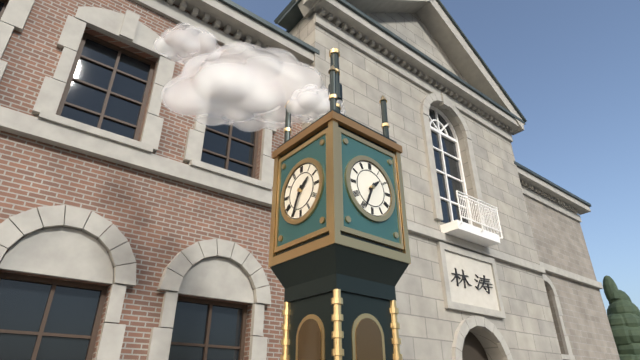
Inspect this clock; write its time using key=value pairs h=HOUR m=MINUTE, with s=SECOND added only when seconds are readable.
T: h=1 m=34
